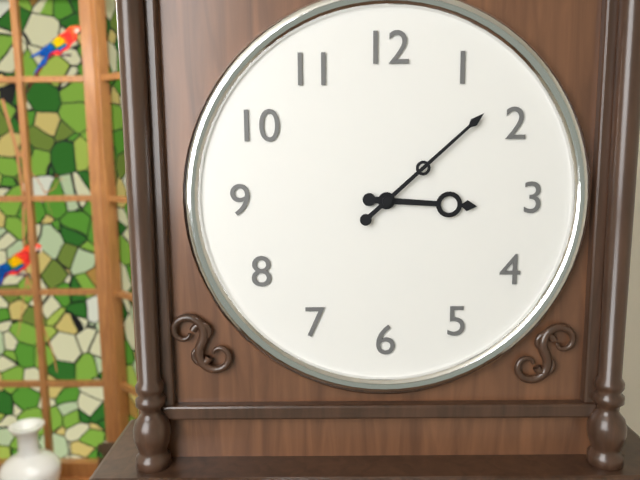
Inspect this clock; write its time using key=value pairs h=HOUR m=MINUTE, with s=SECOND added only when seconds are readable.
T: h=3 m=8
